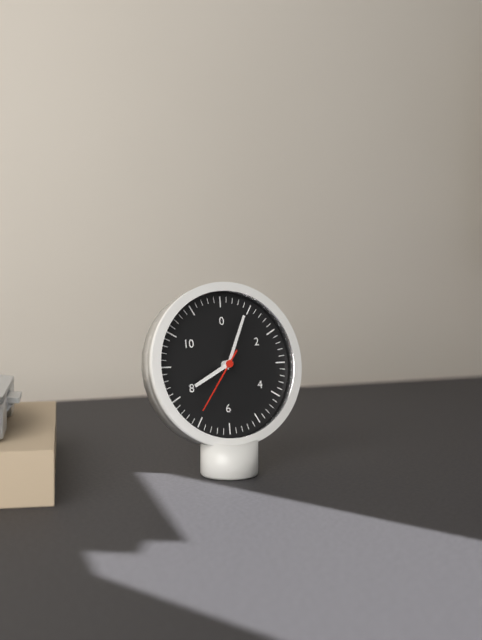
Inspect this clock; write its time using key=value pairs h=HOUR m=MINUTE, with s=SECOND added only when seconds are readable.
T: h=8 m=4 s=36
